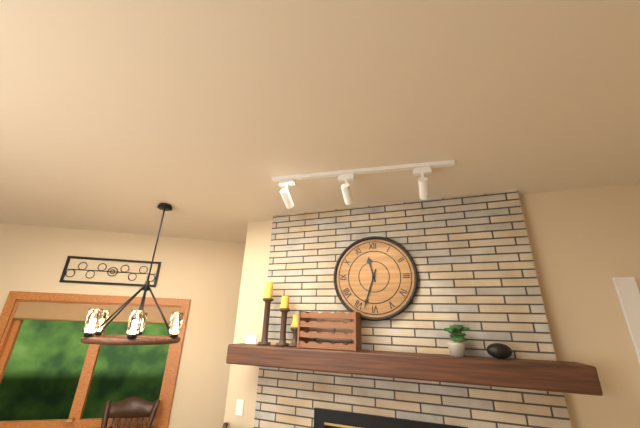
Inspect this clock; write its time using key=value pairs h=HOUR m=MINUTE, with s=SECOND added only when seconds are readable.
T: h=11 m=33
